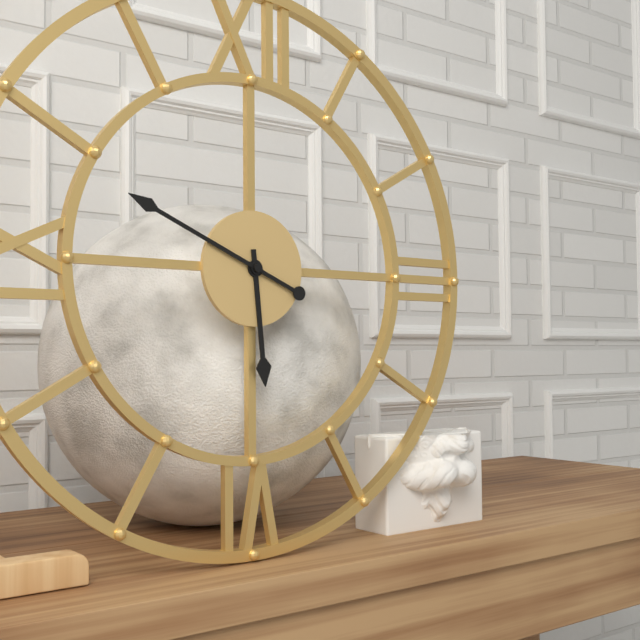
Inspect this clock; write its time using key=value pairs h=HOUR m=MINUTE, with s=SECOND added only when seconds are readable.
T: h=5 m=49
